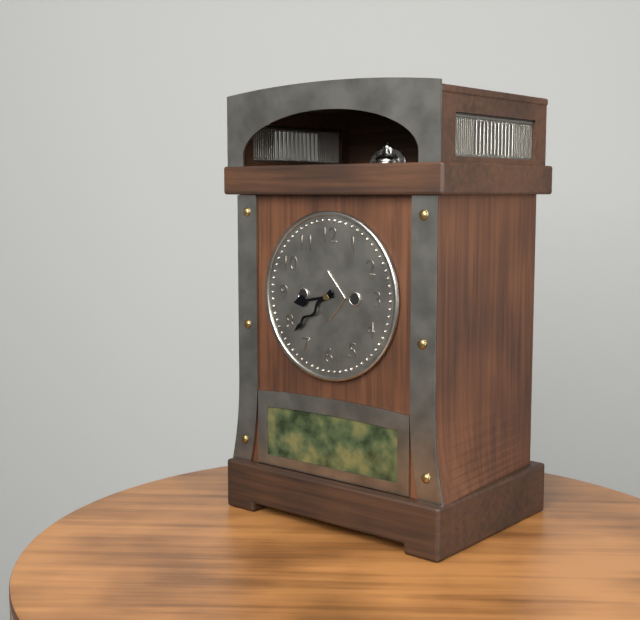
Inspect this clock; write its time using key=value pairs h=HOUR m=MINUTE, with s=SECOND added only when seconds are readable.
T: h=8 m=38
